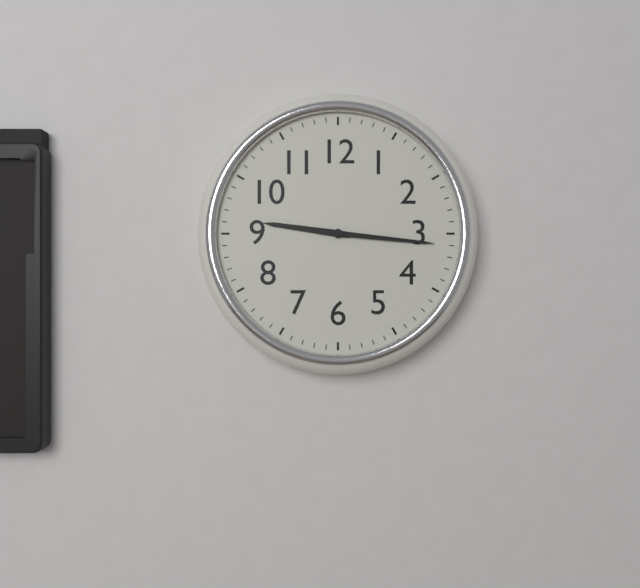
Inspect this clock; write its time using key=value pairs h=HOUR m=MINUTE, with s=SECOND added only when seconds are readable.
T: h=9 m=16
